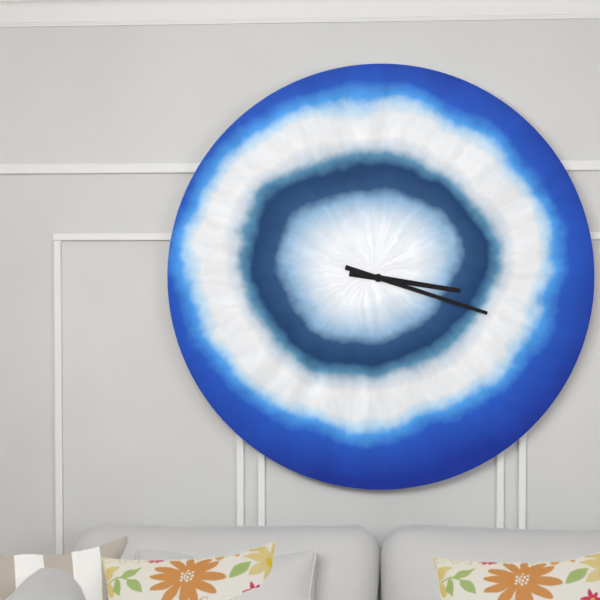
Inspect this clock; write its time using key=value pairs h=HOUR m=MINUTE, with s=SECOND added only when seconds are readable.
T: h=3 m=18
